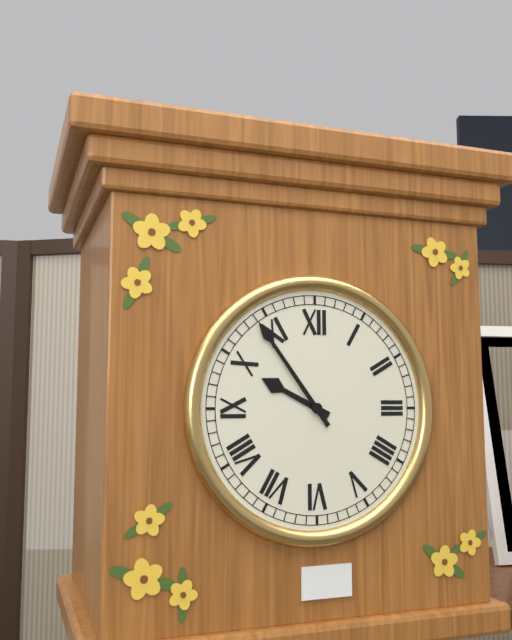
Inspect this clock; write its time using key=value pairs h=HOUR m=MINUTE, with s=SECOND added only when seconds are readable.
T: h=9 m=54
